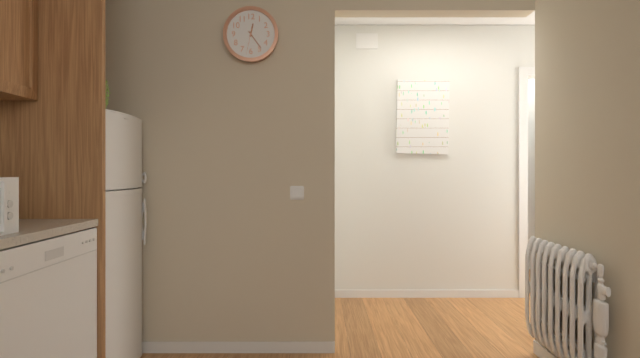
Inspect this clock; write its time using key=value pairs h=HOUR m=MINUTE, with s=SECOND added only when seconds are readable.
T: h=12 m=24
